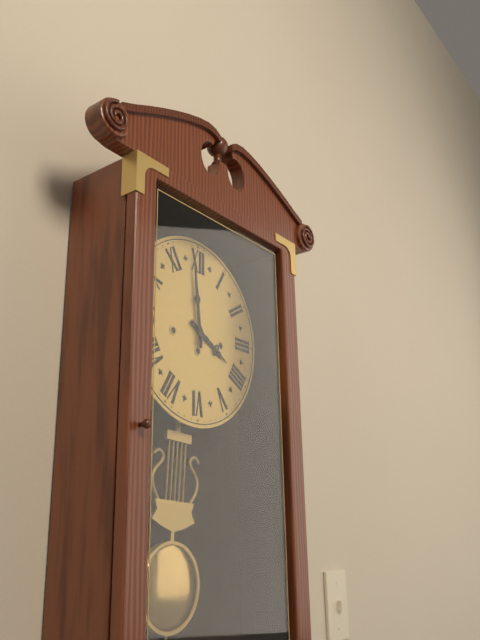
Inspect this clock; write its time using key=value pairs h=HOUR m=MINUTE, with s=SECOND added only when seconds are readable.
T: h=3 m=59
